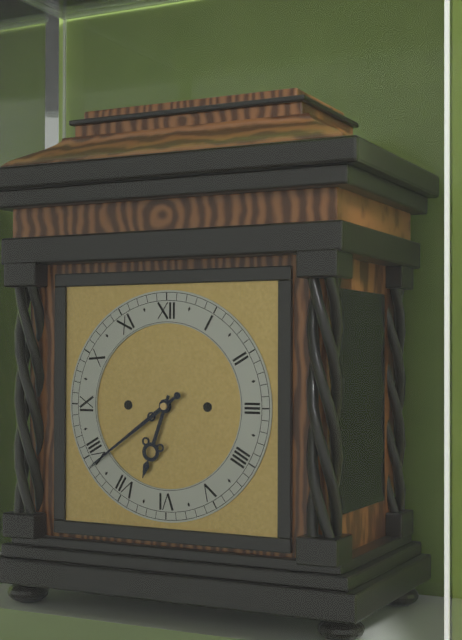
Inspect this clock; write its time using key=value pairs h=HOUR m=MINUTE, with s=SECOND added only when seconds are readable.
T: h=6 m=39
